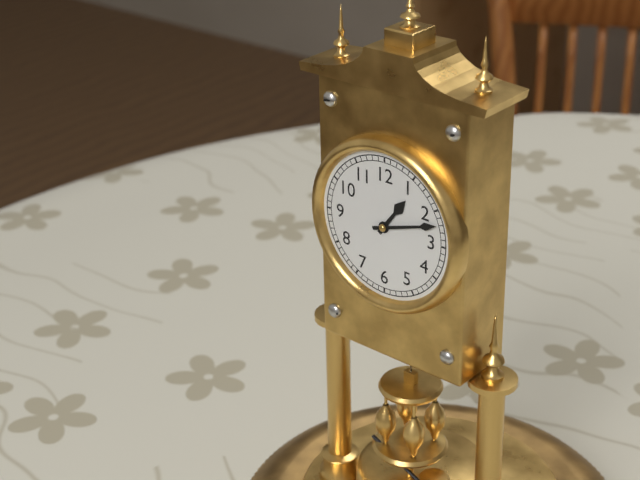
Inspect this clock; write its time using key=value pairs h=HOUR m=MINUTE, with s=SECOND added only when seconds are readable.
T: h=1 m=12
